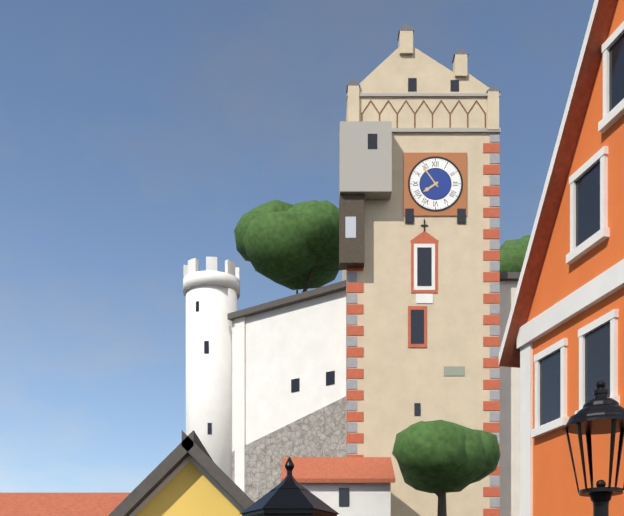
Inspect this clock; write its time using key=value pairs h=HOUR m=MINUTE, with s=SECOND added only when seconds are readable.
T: h=7 m=54
